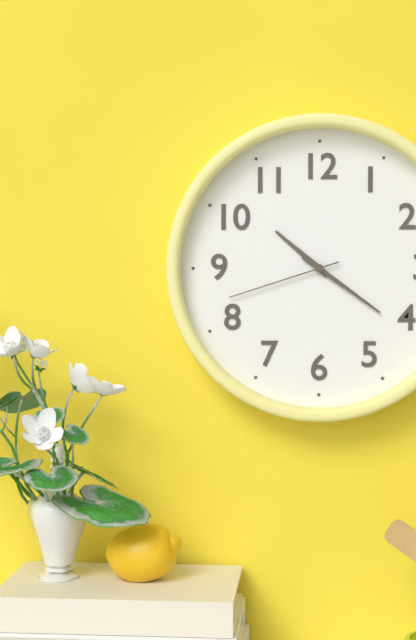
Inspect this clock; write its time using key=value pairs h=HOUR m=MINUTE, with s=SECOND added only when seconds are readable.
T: h=10 m=21 s=42
